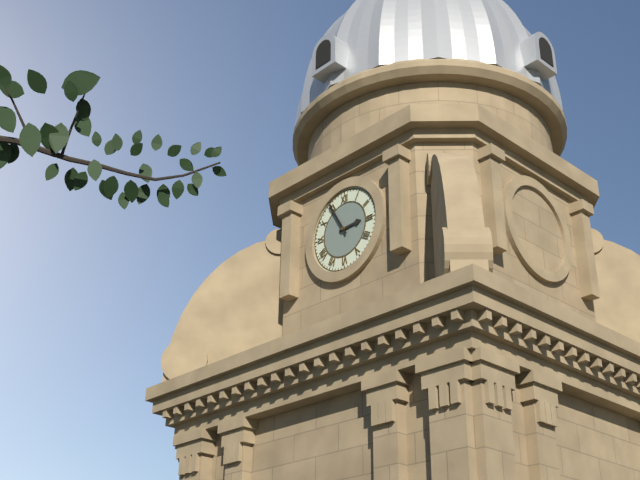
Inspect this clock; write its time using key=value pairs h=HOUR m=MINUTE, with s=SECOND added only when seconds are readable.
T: h=2 m=55
